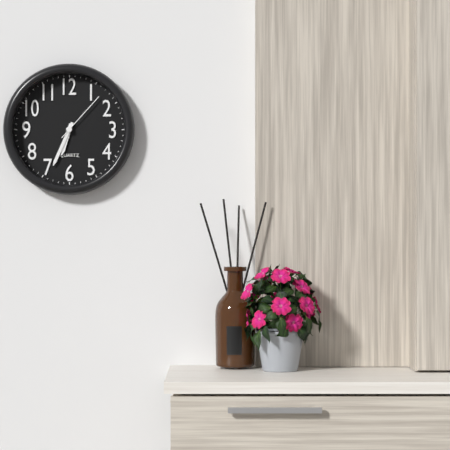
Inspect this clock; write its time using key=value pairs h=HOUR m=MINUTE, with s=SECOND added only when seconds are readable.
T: h=6 m=34 s=7
